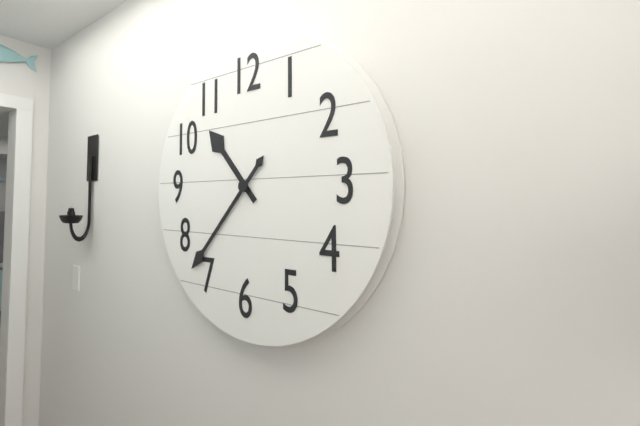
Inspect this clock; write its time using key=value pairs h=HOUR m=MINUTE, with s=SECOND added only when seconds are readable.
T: h=10 m=37
